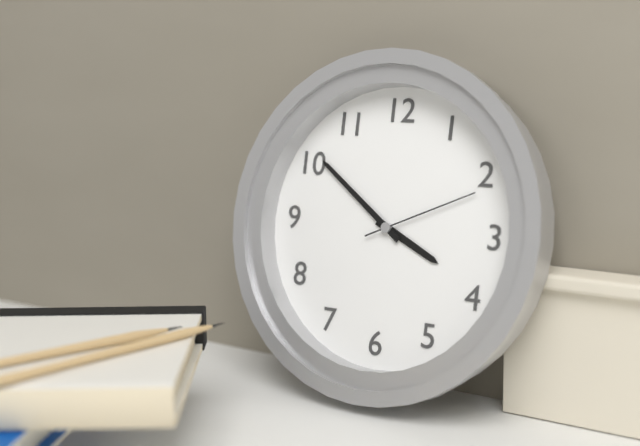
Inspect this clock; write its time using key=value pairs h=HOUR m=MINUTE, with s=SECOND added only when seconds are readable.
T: h=3 m=51 s=11
